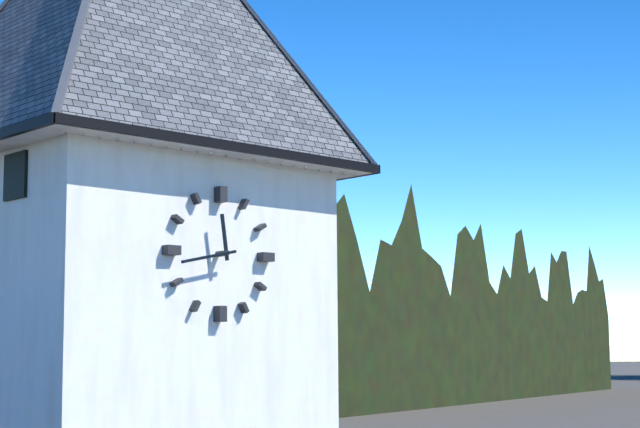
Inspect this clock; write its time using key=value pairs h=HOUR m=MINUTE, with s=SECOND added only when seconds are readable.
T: h=11 m=43
